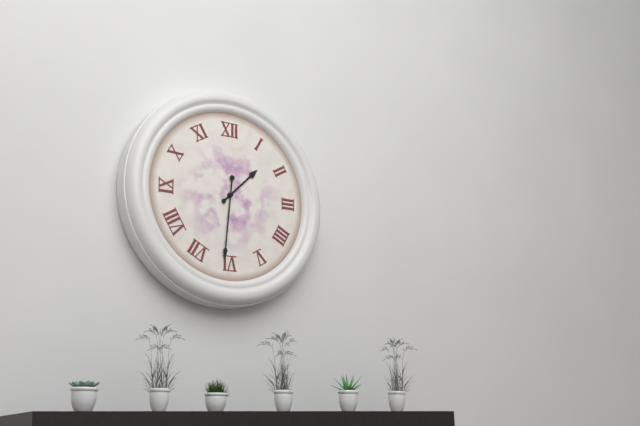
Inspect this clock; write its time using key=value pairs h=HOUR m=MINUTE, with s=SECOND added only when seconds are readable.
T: h=1 m=31
